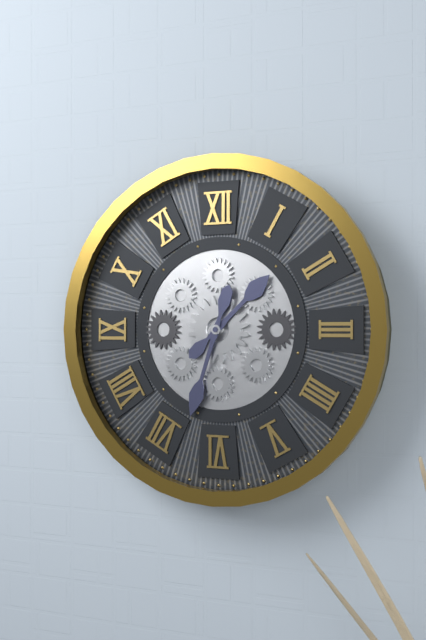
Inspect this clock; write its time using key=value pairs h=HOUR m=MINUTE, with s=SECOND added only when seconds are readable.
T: h=1 m=33
